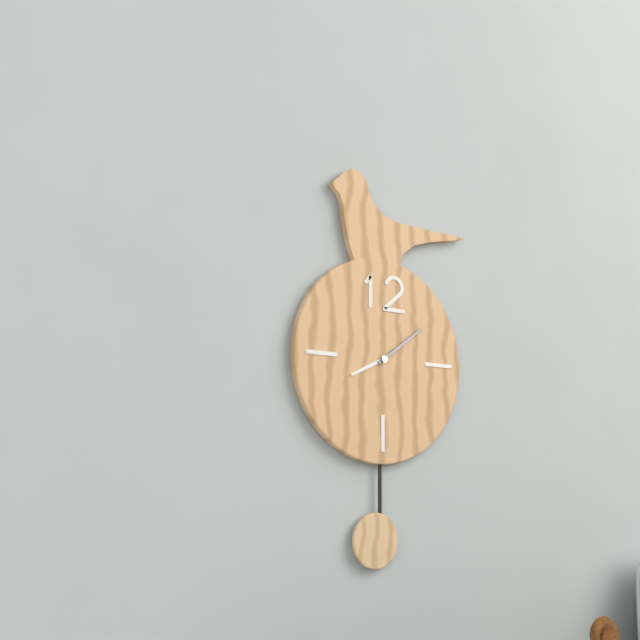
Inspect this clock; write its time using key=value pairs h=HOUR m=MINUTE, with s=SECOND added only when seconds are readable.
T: h=8 m=9
